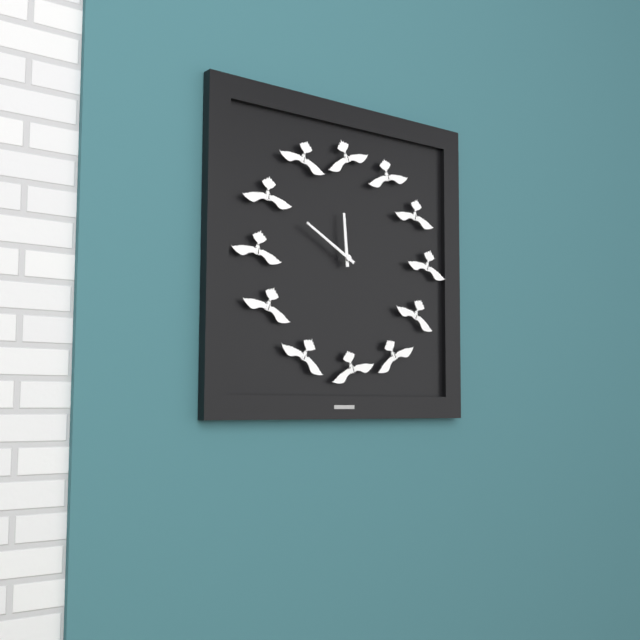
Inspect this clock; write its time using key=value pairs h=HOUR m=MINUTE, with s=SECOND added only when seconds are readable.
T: h=11 m=50
